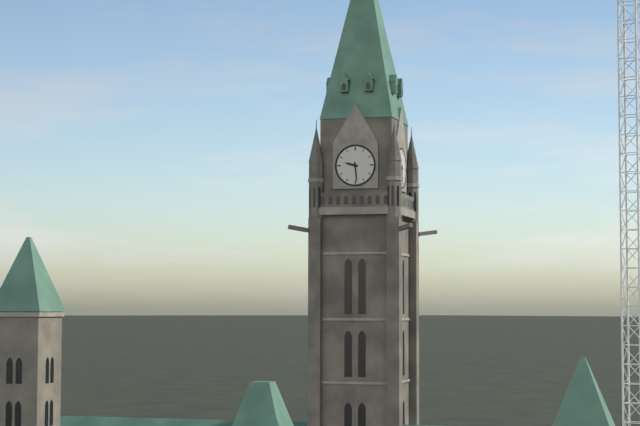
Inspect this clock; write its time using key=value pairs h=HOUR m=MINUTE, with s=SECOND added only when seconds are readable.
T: h=9 m=29
